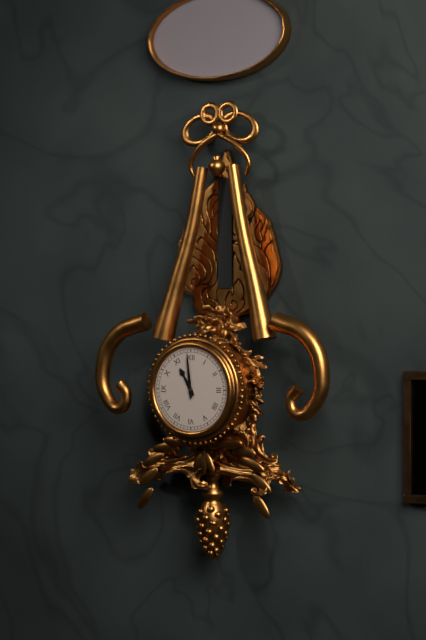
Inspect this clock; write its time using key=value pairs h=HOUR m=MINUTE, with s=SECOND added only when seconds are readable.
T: h=10 m=59
